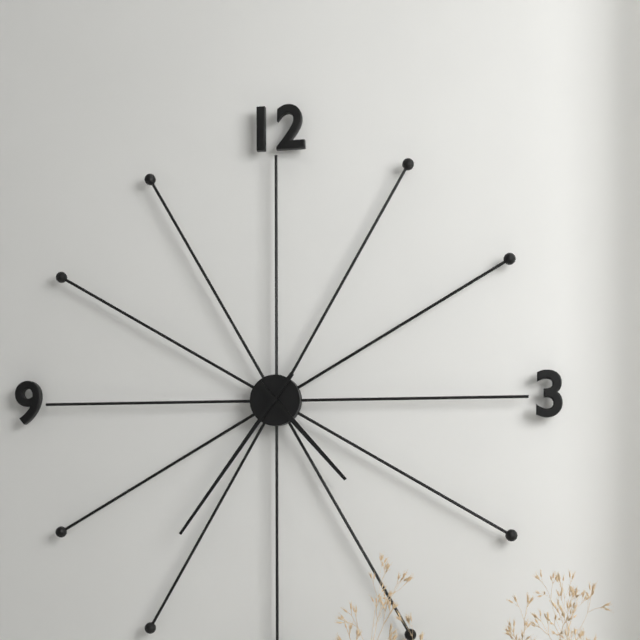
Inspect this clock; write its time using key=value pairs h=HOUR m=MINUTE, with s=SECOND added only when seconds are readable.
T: h=4 m=36
